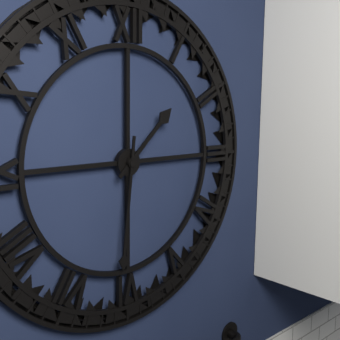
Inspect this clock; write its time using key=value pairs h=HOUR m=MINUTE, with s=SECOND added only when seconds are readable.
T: h=1 m=31
